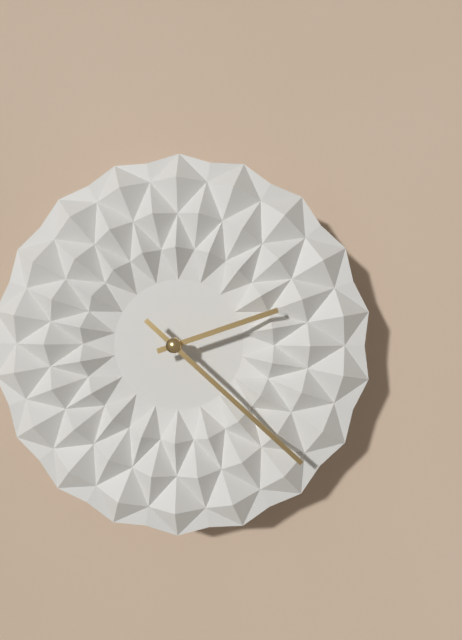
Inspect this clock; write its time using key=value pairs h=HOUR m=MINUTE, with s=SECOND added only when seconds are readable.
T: h=2 m=22
